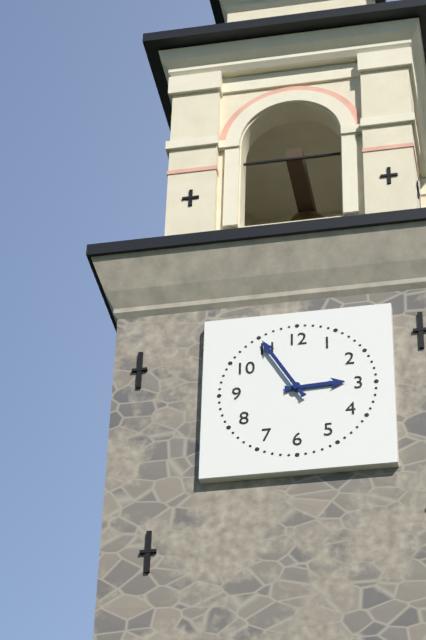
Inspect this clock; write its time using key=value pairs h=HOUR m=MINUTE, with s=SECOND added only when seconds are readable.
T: h=2 m=55
